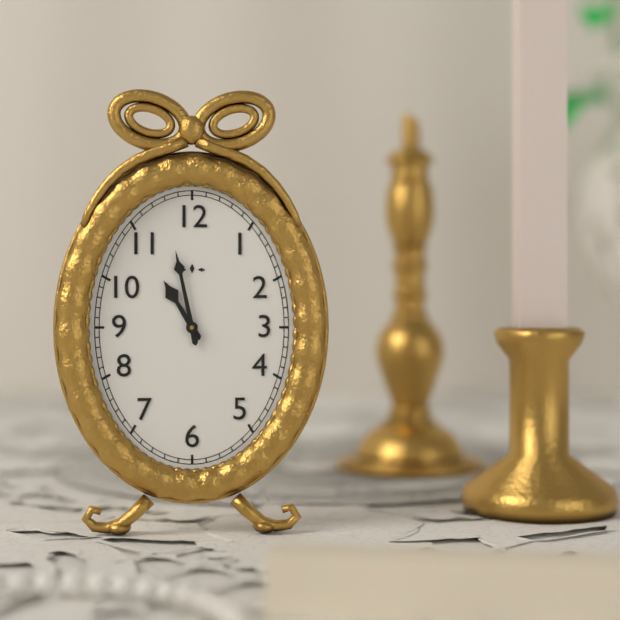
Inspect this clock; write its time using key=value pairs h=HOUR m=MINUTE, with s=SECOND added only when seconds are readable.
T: h=10 m=58
